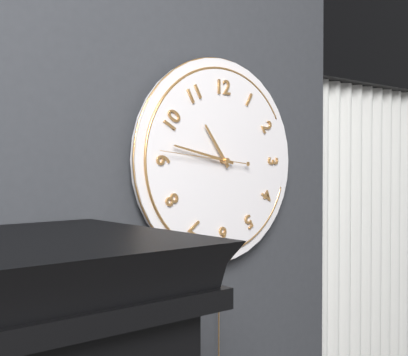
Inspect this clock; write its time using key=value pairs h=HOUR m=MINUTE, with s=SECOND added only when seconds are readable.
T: h=10 m=47 s=46
